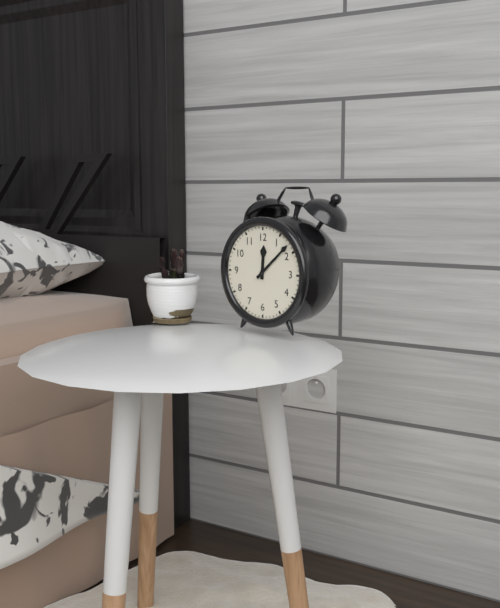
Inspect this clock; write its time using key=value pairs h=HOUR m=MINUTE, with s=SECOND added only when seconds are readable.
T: h=12 m=8
